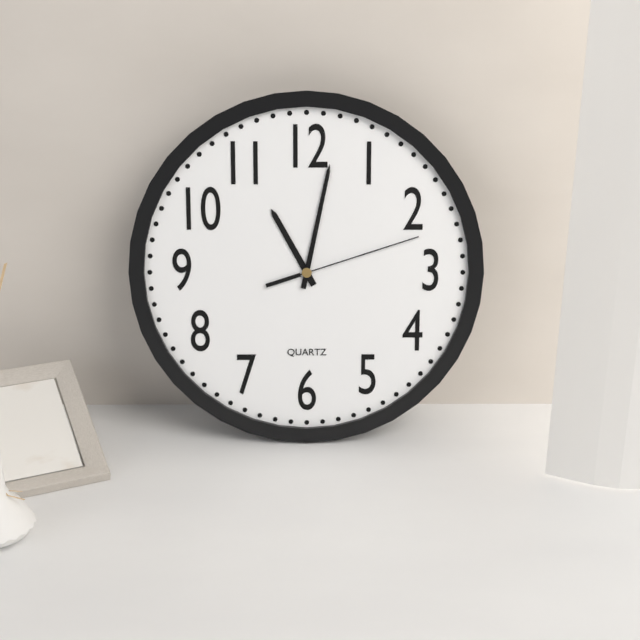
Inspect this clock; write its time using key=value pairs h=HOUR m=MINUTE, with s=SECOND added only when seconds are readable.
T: h=11 m=2 s=12
